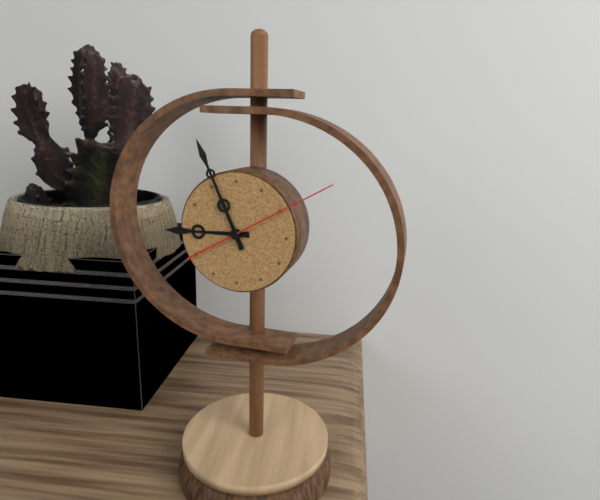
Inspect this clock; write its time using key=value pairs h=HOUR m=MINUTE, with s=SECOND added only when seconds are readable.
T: h=8 m=56 s=10
